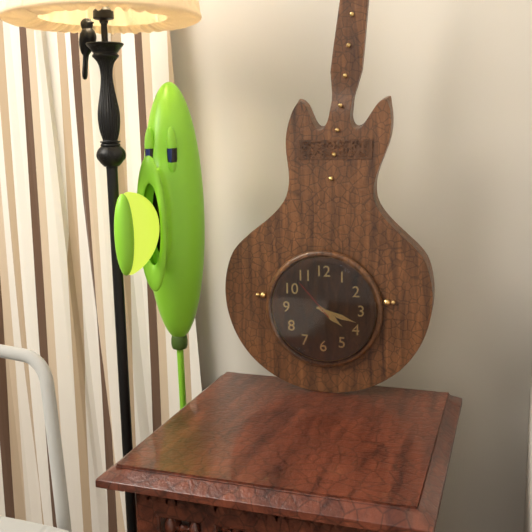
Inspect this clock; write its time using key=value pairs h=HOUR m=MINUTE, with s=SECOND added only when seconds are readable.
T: h=4 m=18
